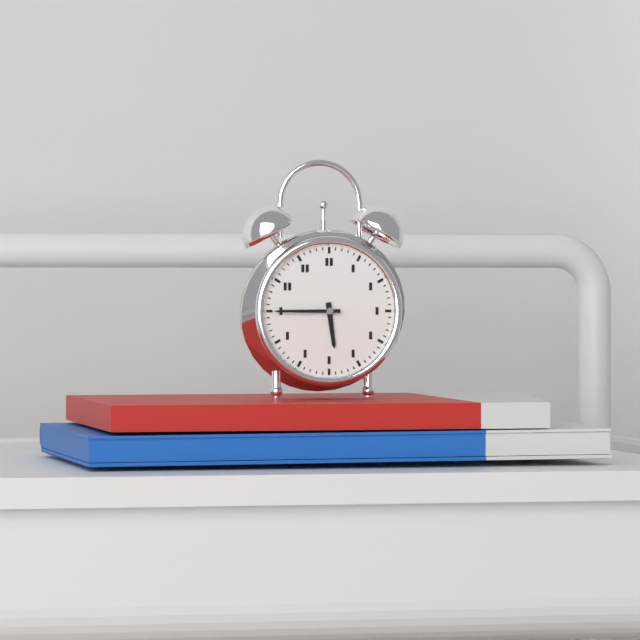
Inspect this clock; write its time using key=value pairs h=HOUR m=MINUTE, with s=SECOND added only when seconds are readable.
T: h=5 m=45
